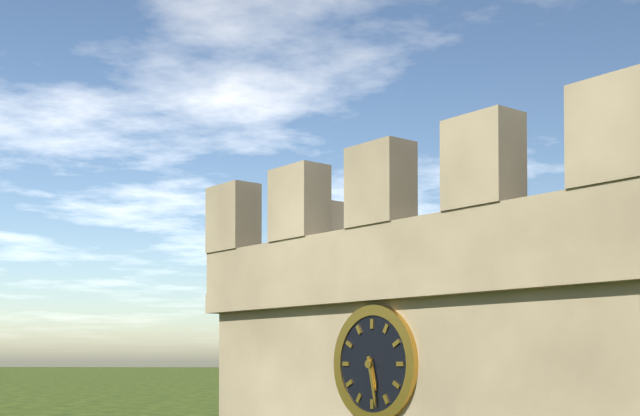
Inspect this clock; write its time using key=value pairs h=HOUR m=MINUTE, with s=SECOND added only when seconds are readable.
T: h=5 m=28
